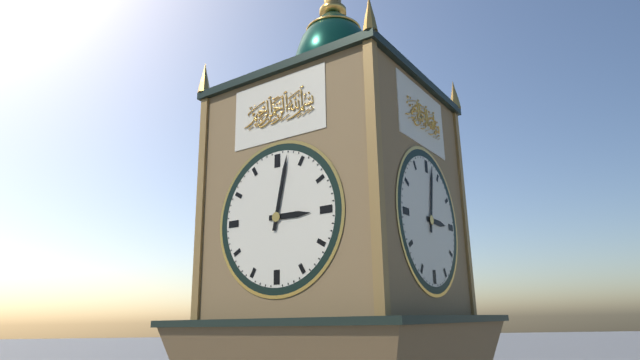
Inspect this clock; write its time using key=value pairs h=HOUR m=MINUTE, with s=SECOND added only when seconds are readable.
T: h=3 m=2
